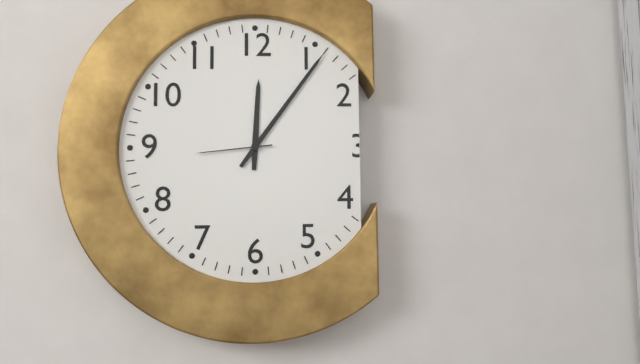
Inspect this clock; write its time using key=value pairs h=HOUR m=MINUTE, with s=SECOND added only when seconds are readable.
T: h=12 m=6 s=44
